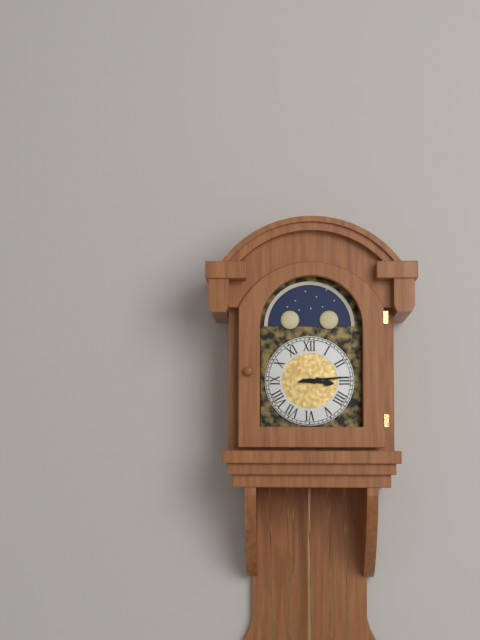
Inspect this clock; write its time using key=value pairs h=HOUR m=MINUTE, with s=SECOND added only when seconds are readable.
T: h=3 m=14
